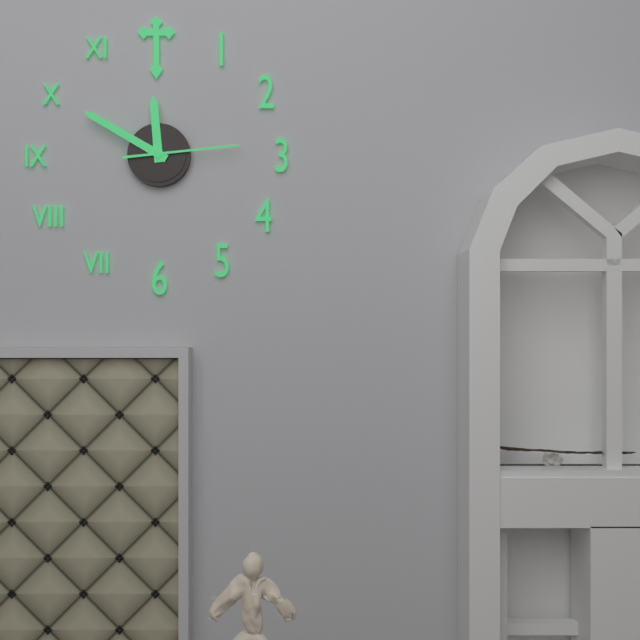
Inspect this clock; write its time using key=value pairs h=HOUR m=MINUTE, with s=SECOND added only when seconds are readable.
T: h=11 m=50 s=14
